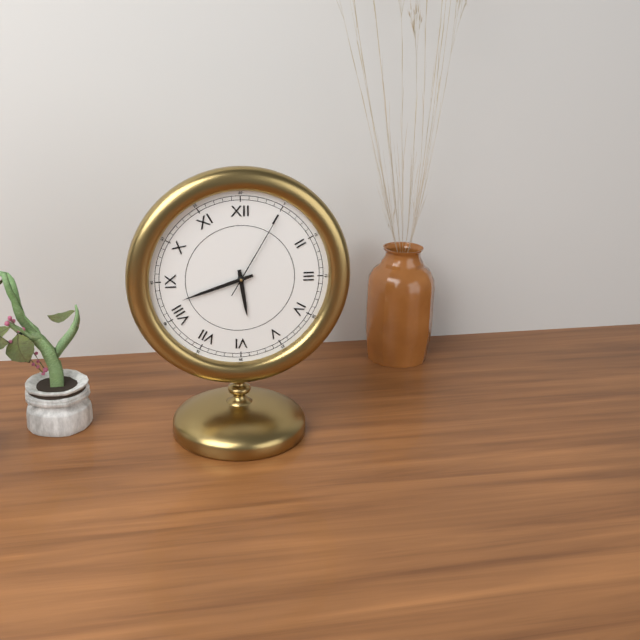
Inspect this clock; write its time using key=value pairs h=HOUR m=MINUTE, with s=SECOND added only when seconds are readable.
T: h=5 m=42 s=5
